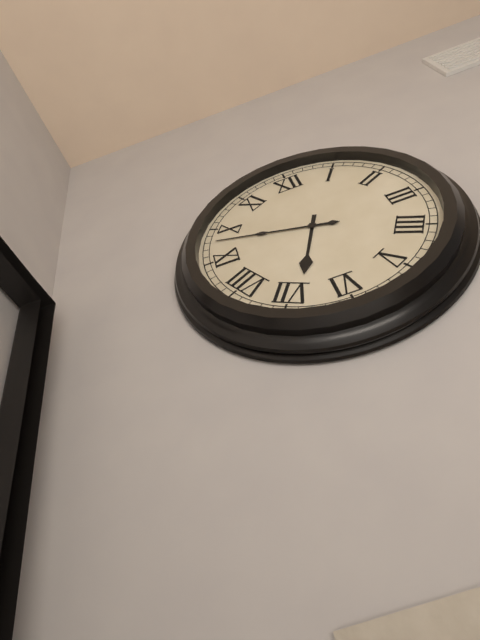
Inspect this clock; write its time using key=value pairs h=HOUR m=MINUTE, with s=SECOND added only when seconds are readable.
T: h=6 m=48
